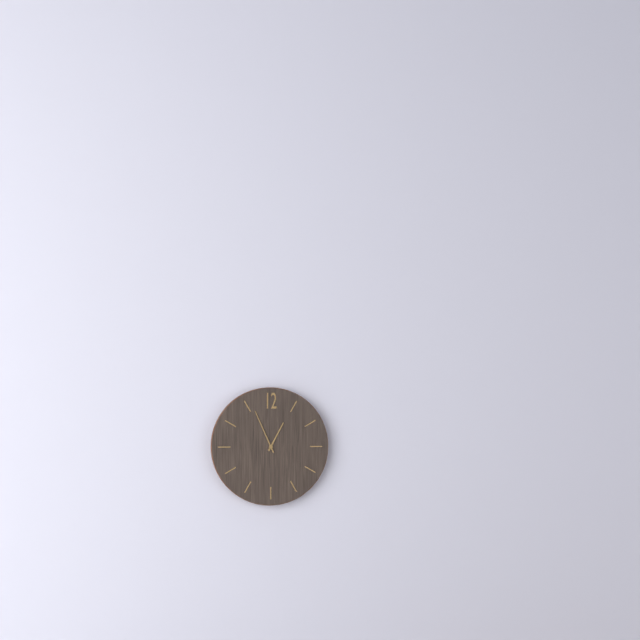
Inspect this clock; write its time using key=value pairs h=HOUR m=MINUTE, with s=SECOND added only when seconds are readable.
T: h=12 m=56
